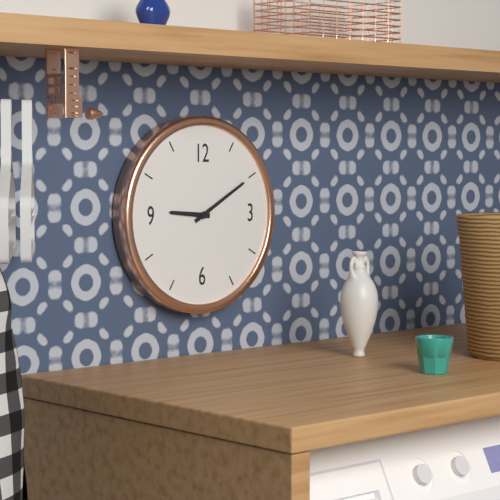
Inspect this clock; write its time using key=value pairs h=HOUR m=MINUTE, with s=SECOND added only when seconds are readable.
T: h=9 m=10
